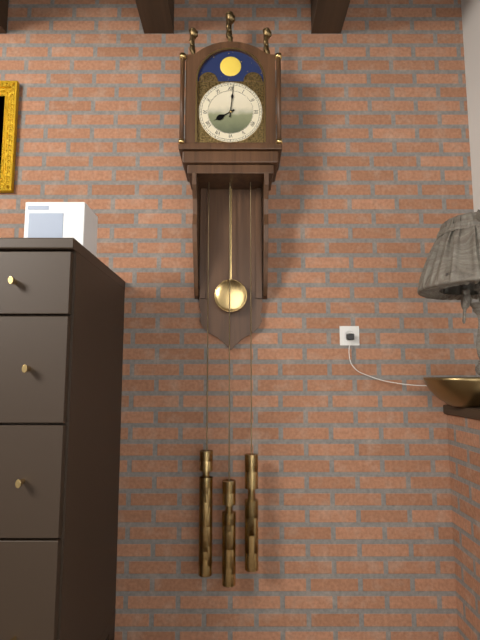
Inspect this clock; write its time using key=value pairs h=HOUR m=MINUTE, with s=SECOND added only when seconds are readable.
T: h=8 m=1
